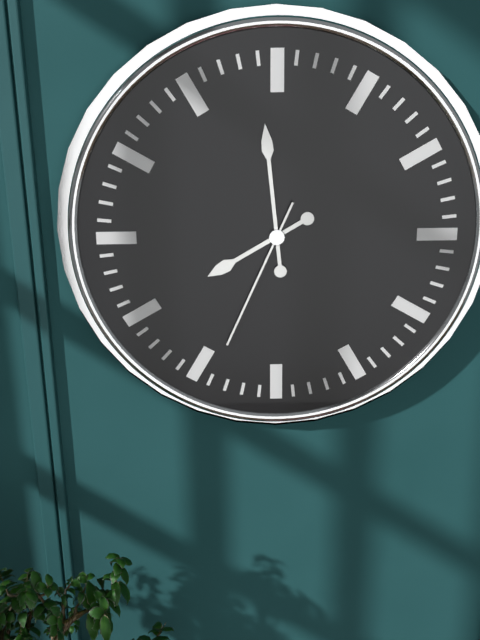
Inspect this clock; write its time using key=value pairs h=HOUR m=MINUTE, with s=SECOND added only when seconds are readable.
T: h=7 m=59 s=34
